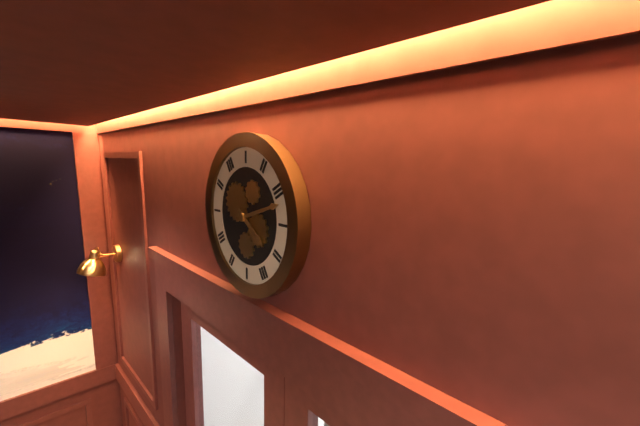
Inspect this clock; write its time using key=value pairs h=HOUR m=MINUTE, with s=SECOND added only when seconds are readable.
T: h=4 m=12
